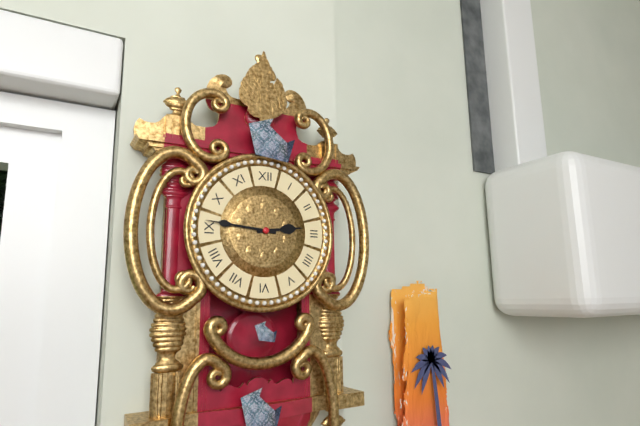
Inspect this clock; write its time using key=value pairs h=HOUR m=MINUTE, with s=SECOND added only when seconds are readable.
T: h=2 m=46
